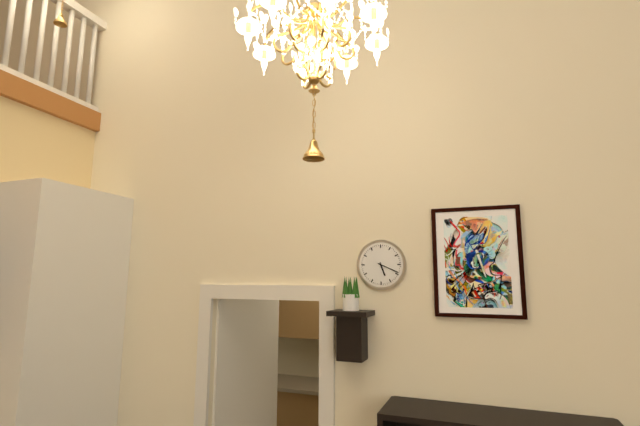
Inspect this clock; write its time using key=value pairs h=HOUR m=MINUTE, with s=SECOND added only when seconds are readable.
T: h=5 m=19
